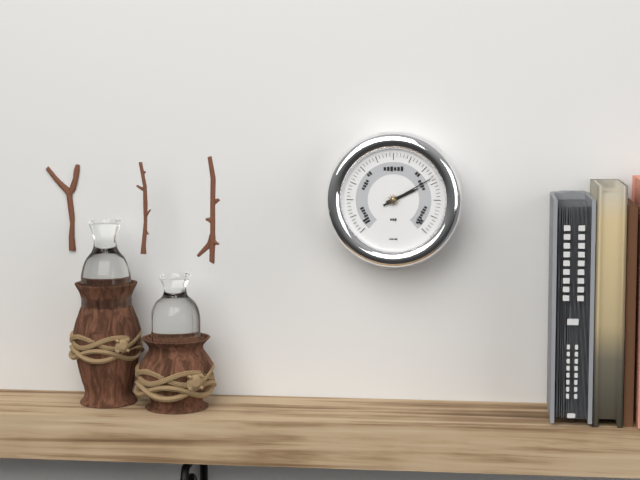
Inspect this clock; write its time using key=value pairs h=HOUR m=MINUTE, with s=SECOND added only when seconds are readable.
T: h=2 m=10
